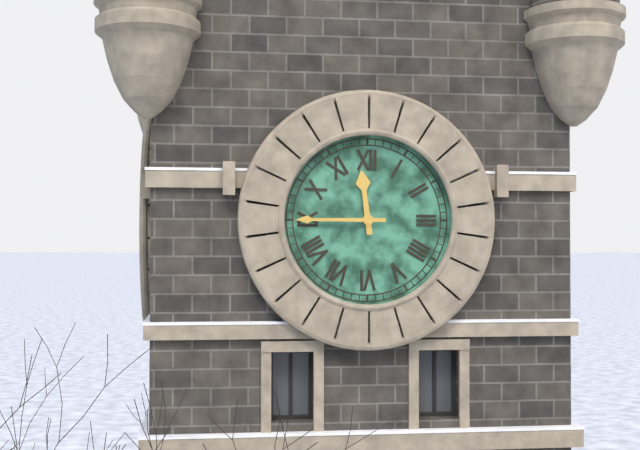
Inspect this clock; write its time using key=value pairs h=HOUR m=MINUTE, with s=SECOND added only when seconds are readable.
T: h=11 m=45
